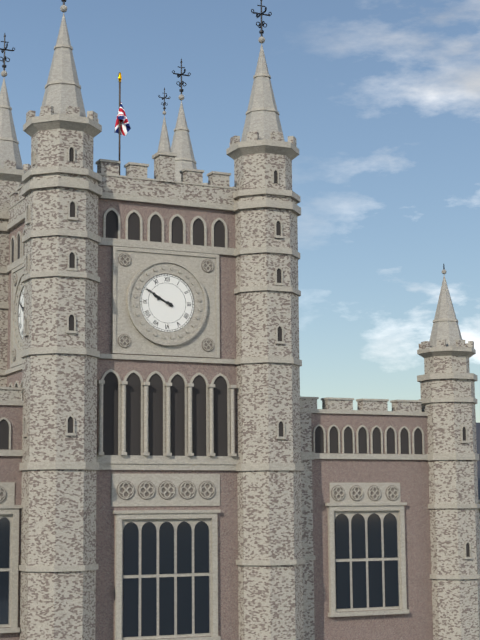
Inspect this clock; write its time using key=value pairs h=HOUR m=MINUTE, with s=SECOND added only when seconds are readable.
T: h=9 m=50
